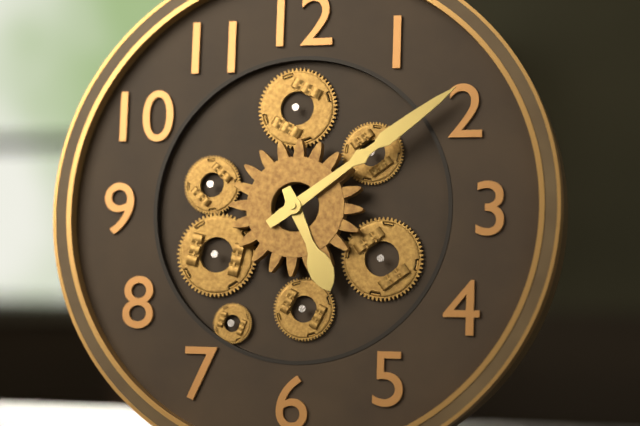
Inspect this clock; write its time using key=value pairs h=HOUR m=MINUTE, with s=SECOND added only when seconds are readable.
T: h=5 m=9
